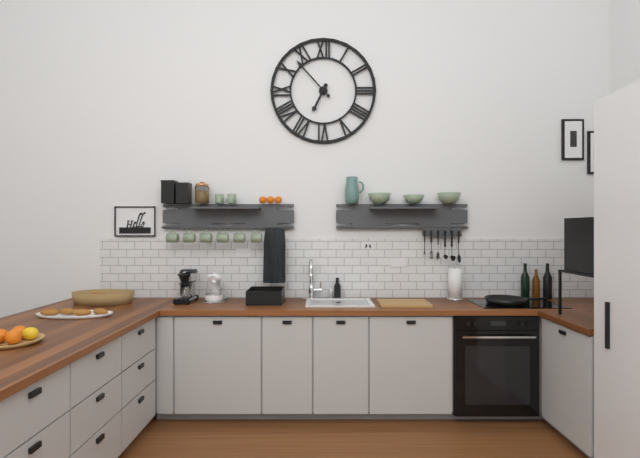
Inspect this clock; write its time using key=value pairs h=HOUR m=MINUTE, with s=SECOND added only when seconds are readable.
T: h=6 m=53
